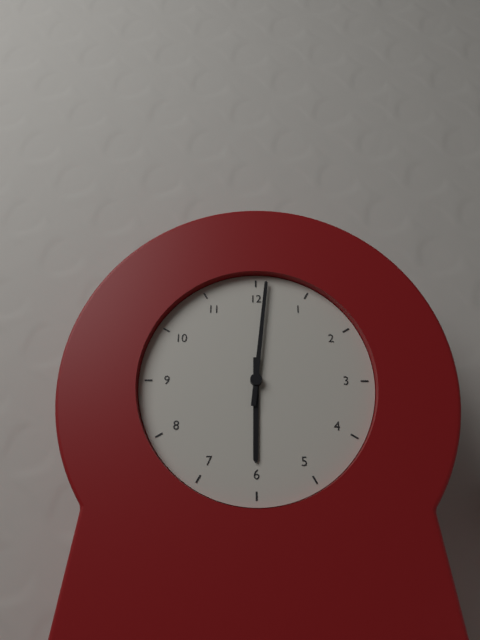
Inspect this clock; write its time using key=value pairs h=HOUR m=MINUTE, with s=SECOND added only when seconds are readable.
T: h=6 m=1
